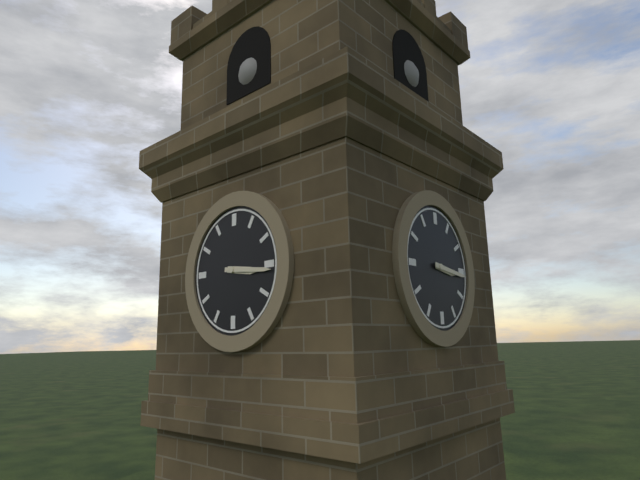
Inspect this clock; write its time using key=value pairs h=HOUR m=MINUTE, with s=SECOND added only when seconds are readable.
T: h=3 m=16
